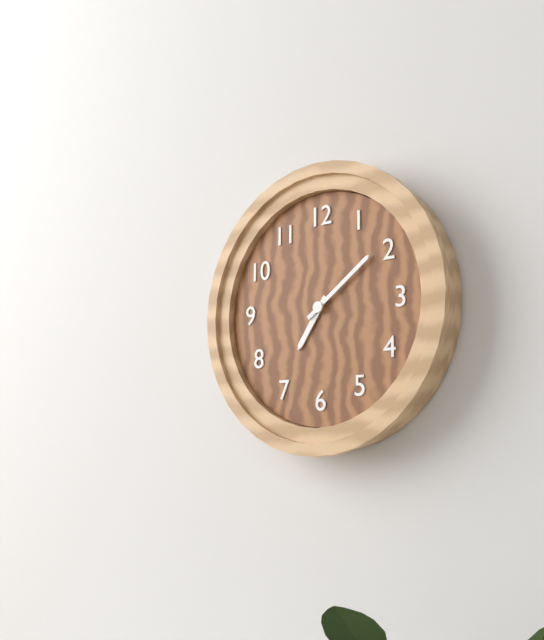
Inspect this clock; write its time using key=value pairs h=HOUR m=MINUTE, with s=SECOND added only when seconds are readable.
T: h=7 m=9
